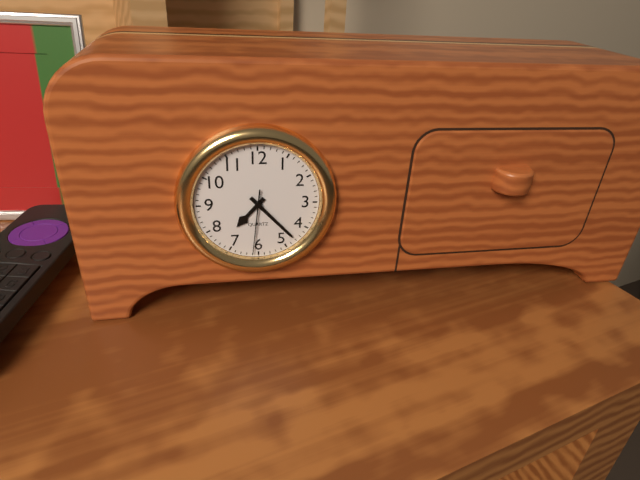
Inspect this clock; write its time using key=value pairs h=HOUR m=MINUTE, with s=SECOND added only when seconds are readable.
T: h=7 m=23 s=31
